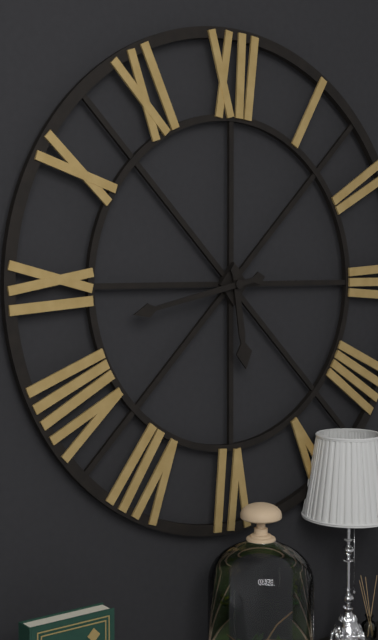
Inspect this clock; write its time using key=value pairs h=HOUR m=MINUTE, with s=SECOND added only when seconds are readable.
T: h=5 m=43
